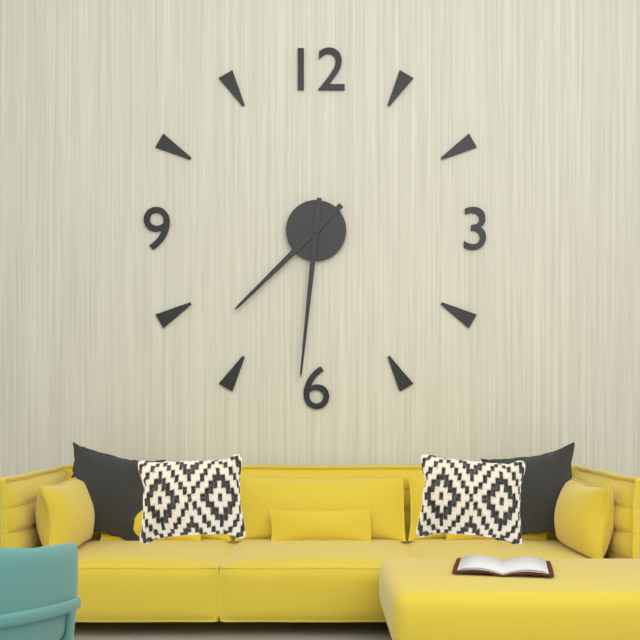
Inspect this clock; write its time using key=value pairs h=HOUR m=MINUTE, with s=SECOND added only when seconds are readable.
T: h=7 m=31
